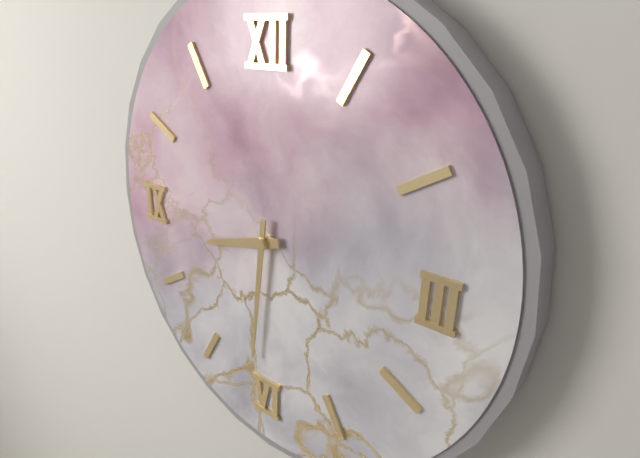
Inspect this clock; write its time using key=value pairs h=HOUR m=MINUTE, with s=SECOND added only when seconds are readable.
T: h=8 m=31
